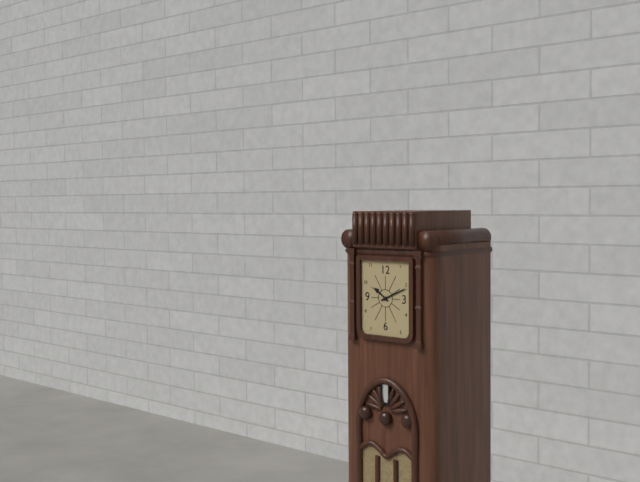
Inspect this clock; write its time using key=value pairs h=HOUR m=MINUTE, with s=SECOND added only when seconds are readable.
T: h=10 m=11
